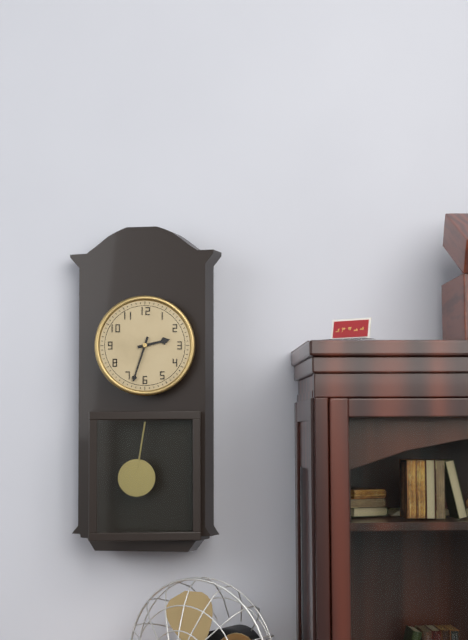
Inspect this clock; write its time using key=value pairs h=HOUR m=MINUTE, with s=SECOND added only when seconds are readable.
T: h=2 m=33
